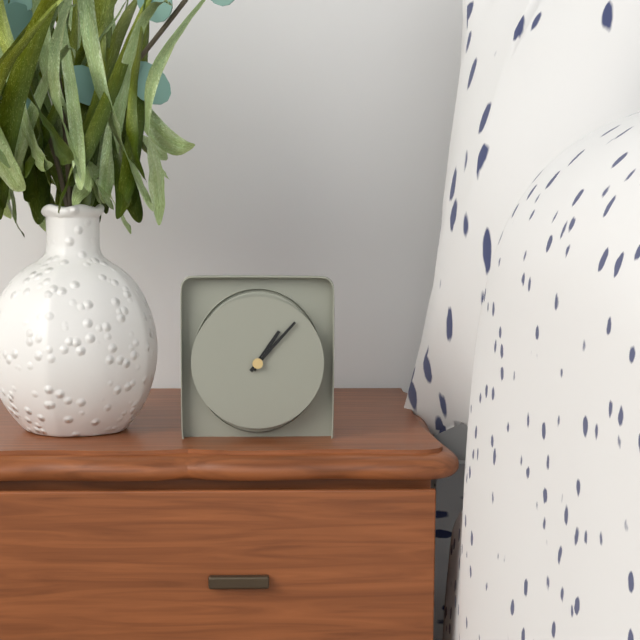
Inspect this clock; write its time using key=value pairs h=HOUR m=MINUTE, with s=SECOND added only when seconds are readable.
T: h=1 m=7
